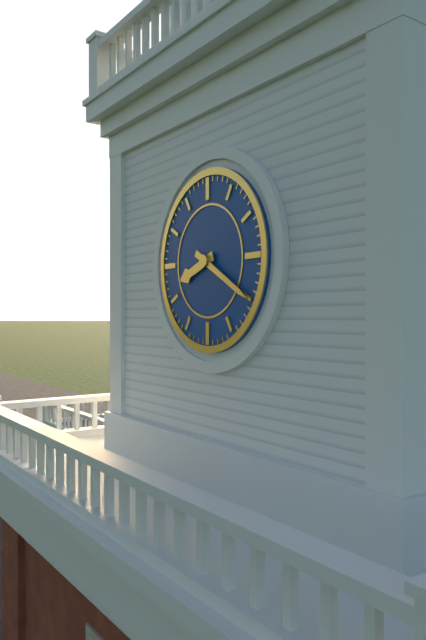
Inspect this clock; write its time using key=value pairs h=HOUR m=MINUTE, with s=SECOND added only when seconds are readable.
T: h=8 m=20
